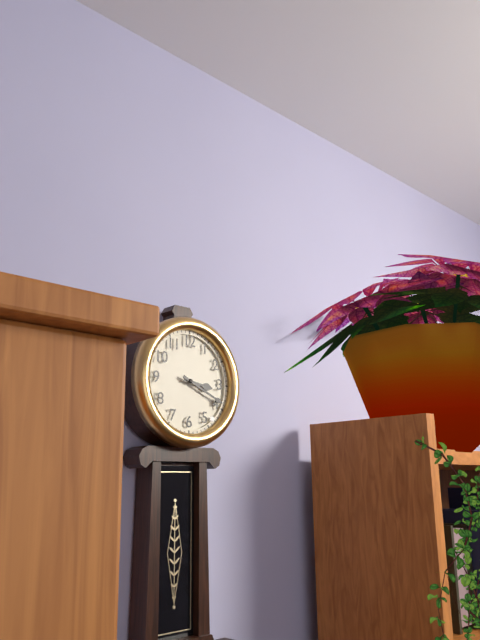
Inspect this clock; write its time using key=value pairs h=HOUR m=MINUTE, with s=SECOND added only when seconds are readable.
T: h=3 m=19
